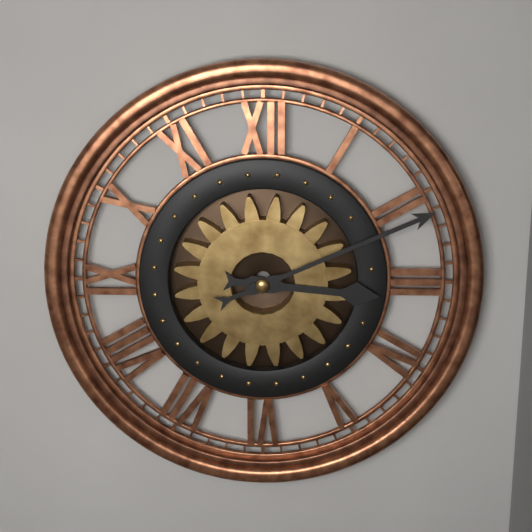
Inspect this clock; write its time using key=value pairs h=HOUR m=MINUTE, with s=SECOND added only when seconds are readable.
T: h=3 m=11
